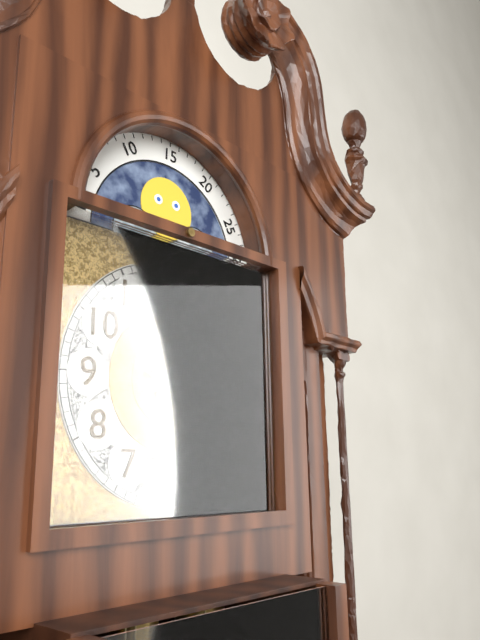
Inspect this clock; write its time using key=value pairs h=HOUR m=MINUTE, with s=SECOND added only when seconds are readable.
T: h=1 m=17
